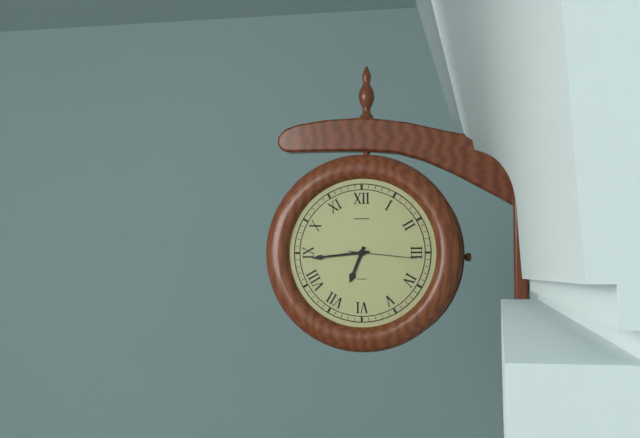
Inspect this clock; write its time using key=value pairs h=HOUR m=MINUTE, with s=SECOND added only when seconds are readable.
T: h=6 m=44 s=16
